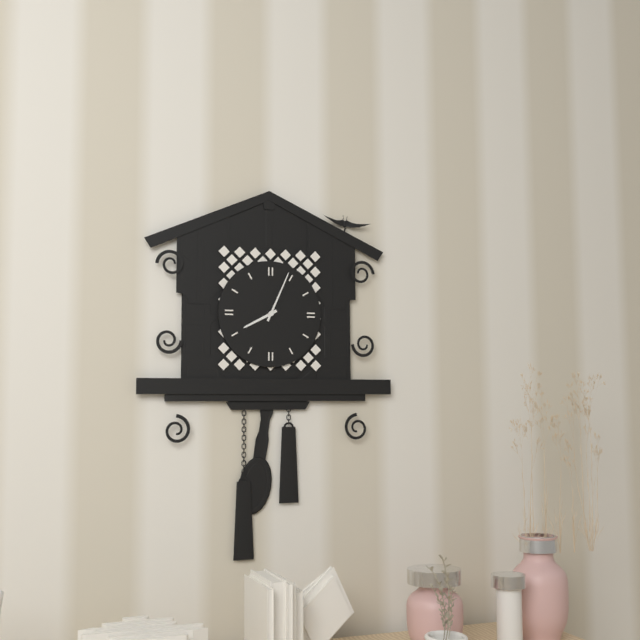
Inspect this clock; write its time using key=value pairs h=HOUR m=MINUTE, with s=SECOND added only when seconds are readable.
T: h=8 m=4
